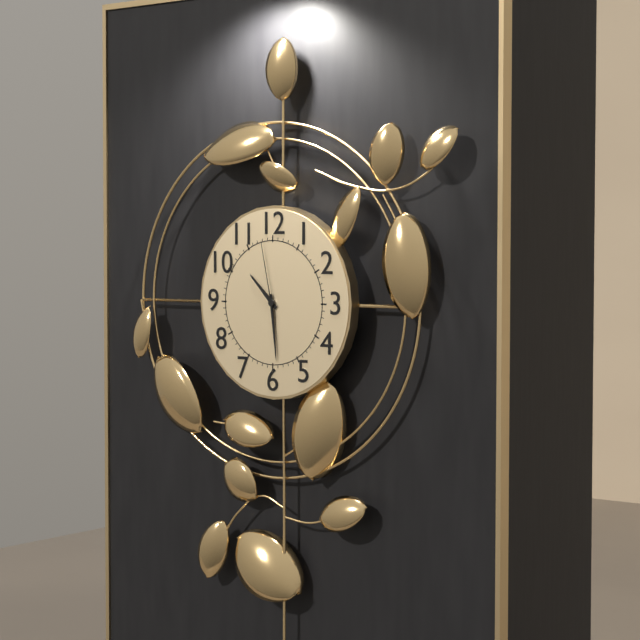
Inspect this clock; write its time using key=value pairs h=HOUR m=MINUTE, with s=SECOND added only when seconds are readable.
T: h=10 m=29 s=58
